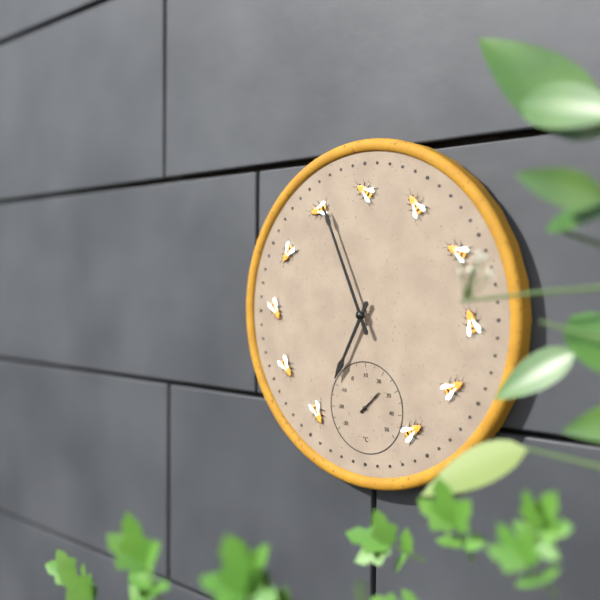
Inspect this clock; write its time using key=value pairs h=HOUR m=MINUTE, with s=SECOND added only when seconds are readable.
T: h=6 m=56
